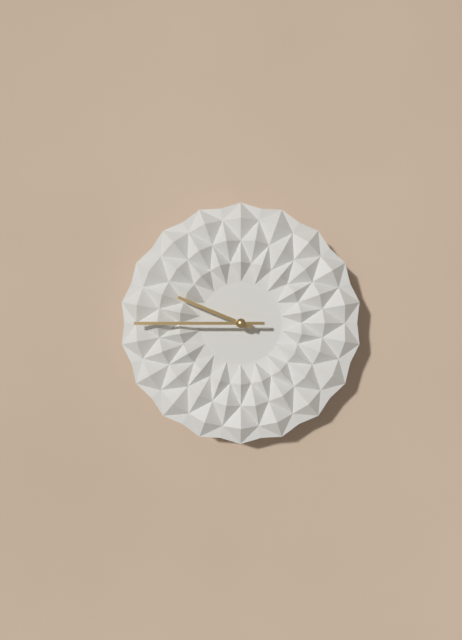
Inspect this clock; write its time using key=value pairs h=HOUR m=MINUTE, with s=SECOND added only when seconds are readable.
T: h=9 m=45
